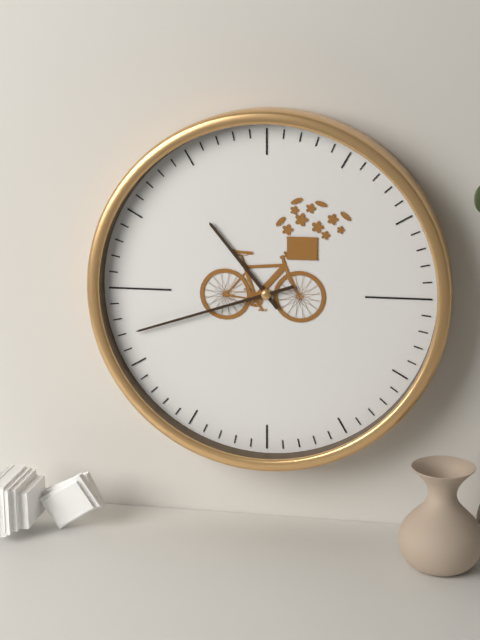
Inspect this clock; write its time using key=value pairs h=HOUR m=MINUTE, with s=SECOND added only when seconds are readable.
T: h=10 m=42
